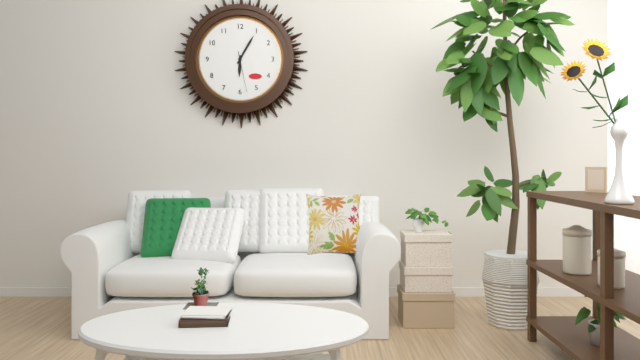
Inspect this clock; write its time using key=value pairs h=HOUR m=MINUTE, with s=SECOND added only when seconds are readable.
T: h=6 m=5
